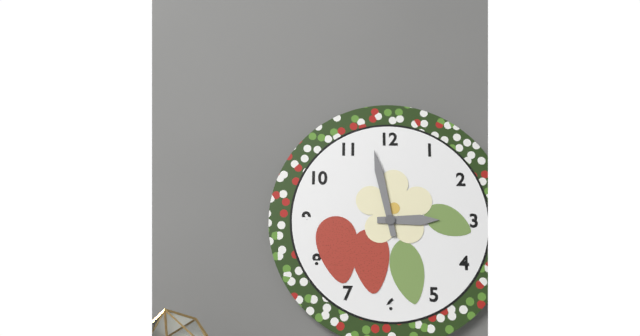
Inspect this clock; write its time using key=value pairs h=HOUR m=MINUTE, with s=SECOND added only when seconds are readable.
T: h=2 m=58
